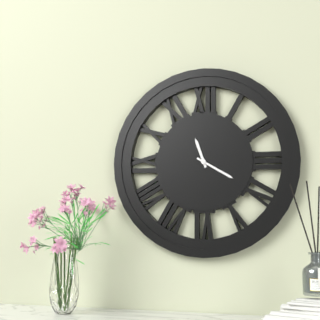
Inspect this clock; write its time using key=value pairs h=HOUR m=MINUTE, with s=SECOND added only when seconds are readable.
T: h=11 m=20
